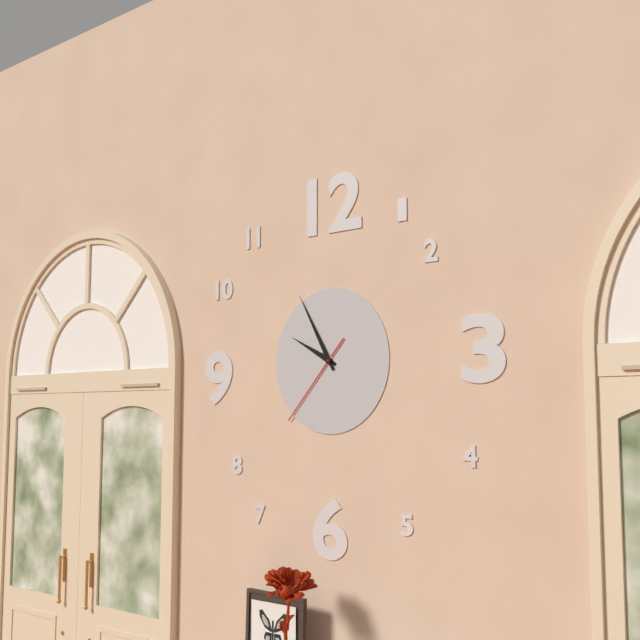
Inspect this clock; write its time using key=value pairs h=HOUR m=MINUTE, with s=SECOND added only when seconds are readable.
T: h=9 m=55 s=37
